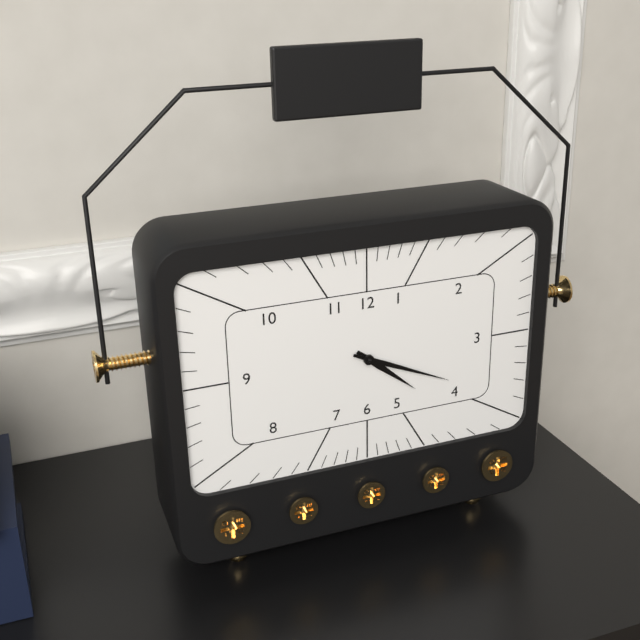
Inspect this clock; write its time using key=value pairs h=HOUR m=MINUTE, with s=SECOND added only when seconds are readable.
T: h=4 m=19
